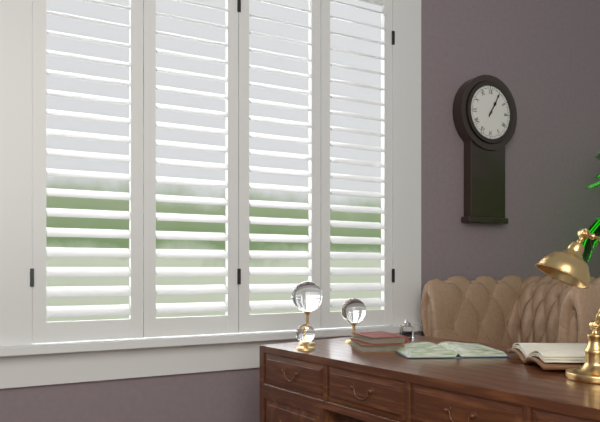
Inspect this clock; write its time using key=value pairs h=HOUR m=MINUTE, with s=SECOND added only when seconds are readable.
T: h=1 m=5
